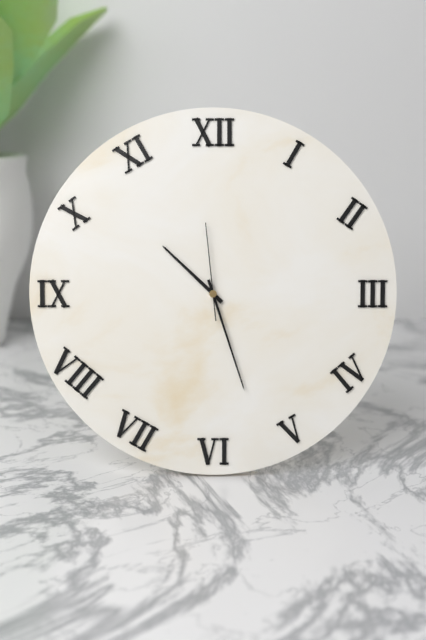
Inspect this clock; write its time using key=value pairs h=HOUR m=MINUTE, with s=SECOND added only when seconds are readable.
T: h=10 m=27 s=59
